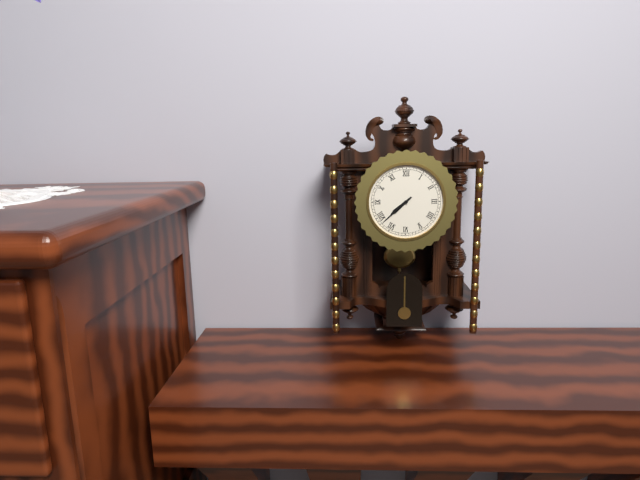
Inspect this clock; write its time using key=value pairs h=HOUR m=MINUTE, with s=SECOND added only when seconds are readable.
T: h=7 m=38
